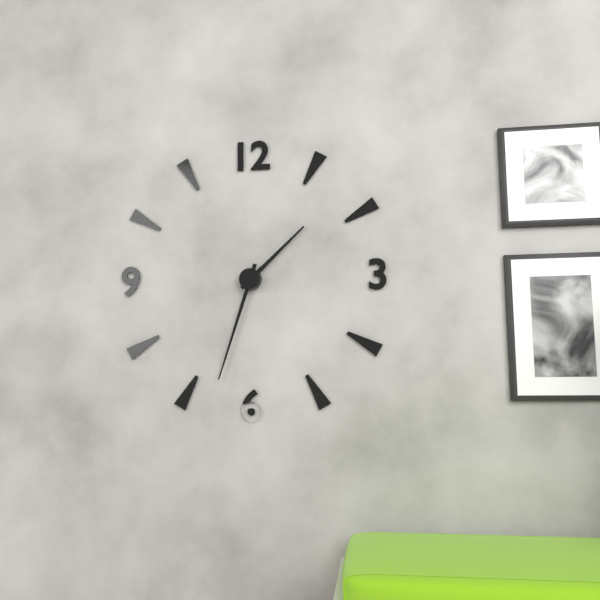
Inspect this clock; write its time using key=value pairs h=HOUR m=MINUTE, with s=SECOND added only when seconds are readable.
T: h=1 m=33
